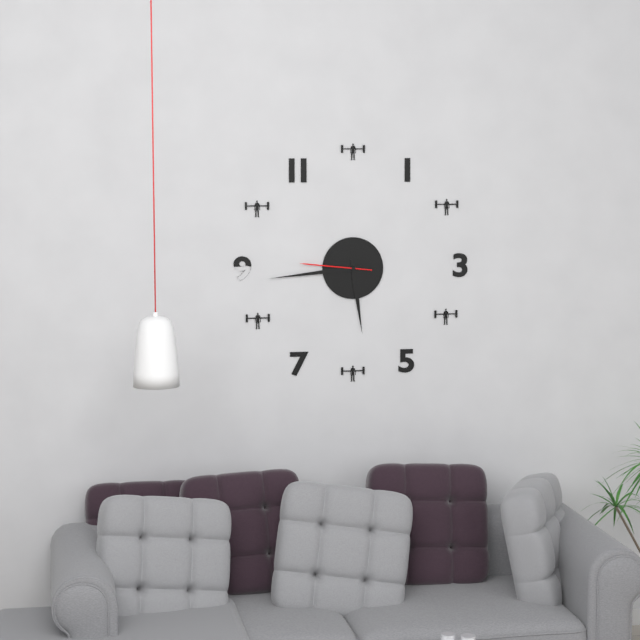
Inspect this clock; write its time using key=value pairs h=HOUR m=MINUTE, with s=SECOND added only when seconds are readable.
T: h=5 m=44 s=46
